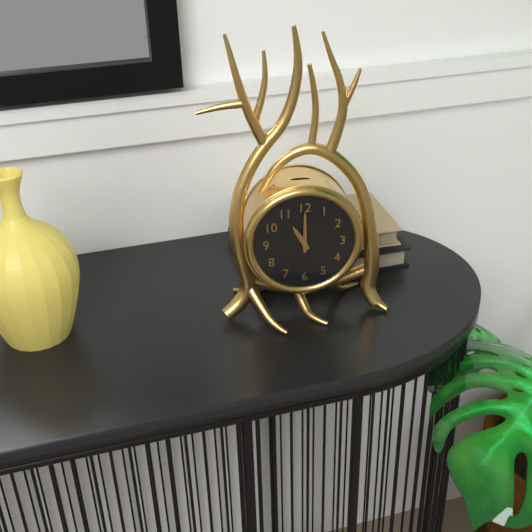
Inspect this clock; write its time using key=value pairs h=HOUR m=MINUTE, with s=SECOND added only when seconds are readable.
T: h=11 m=0
